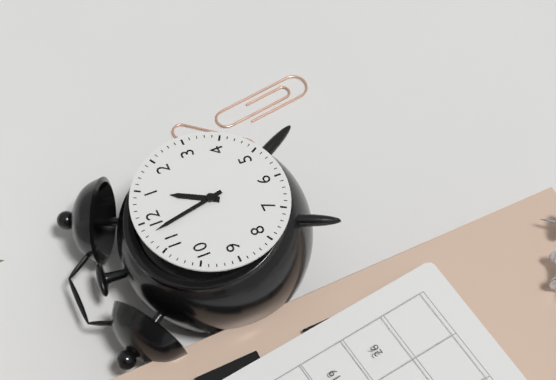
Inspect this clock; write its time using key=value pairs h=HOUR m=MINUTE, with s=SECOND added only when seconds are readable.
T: h=12 m=58
